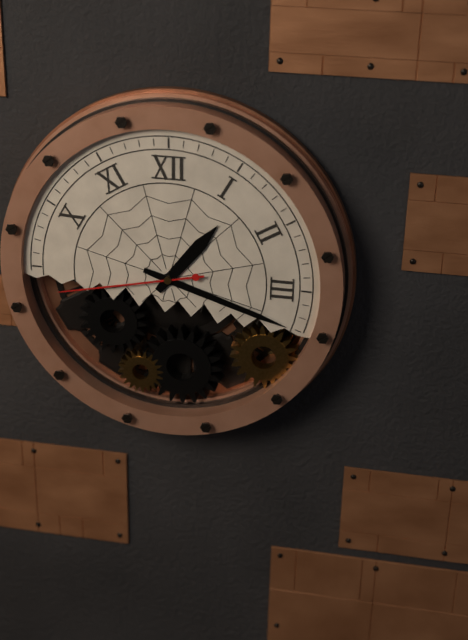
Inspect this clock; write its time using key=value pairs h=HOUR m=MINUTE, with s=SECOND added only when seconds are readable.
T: h=1 m=18 s=43
